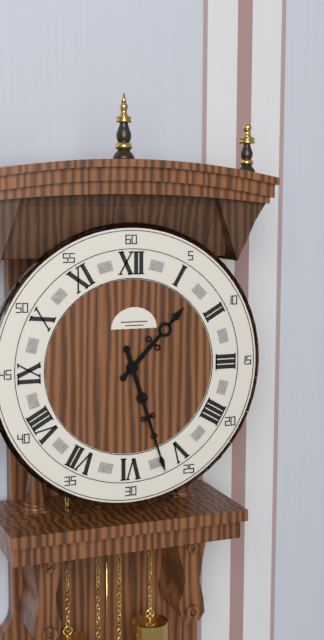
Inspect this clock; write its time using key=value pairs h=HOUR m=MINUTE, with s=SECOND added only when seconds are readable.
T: h=1 m=27
